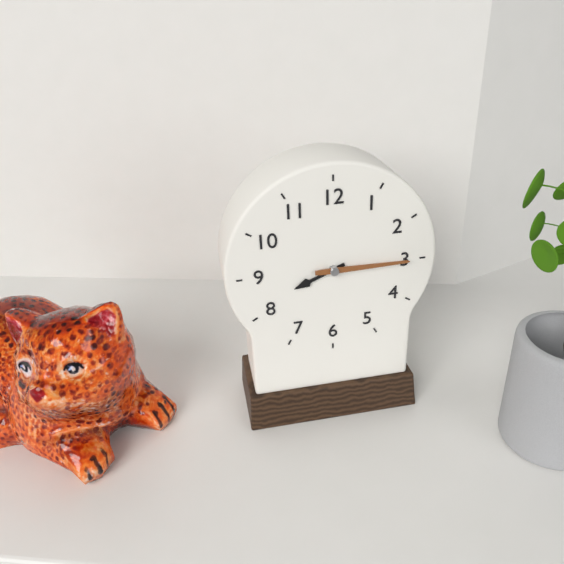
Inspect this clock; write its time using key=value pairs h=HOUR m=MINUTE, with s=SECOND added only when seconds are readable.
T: h=8 m=15
